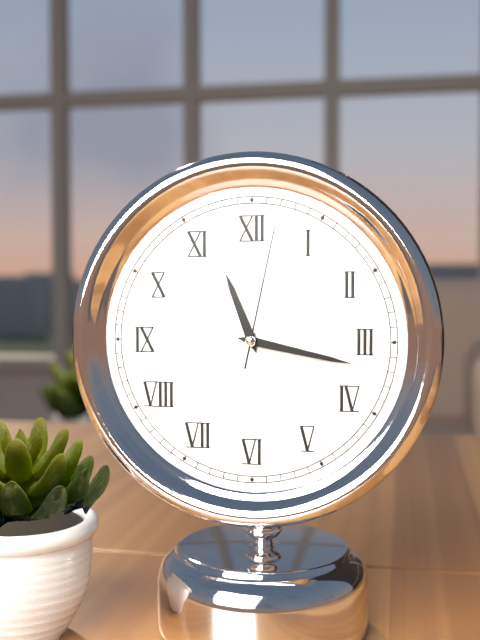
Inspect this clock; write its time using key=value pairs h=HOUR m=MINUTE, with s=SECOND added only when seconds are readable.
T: h=11 m=17 s=2
